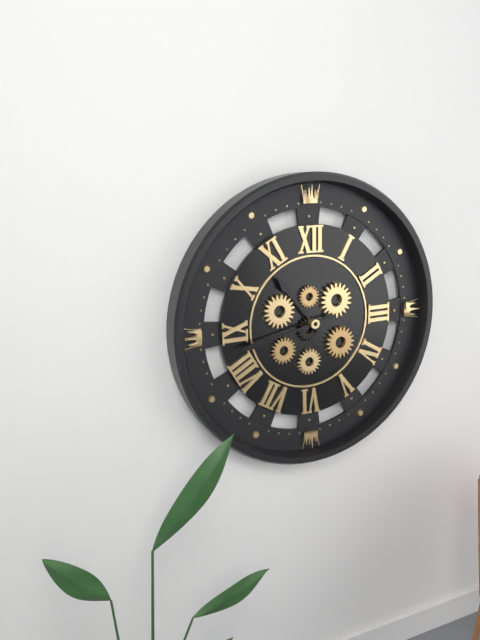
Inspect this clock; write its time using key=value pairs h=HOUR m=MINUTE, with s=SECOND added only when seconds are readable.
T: h=10 m=43
